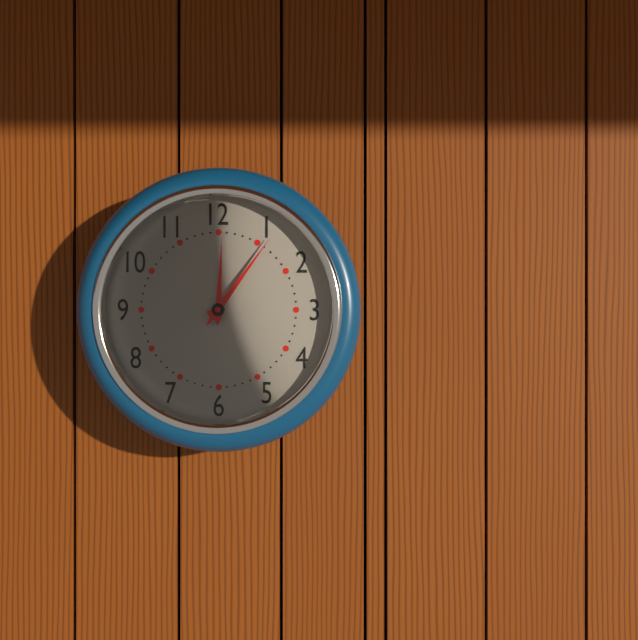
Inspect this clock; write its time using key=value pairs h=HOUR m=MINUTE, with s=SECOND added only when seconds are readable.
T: h=12 m=6
